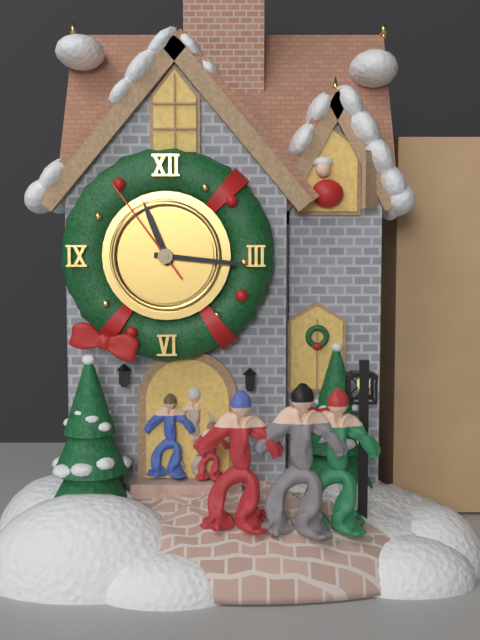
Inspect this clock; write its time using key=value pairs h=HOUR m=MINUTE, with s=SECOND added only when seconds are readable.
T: h=11 m=16 s=54
